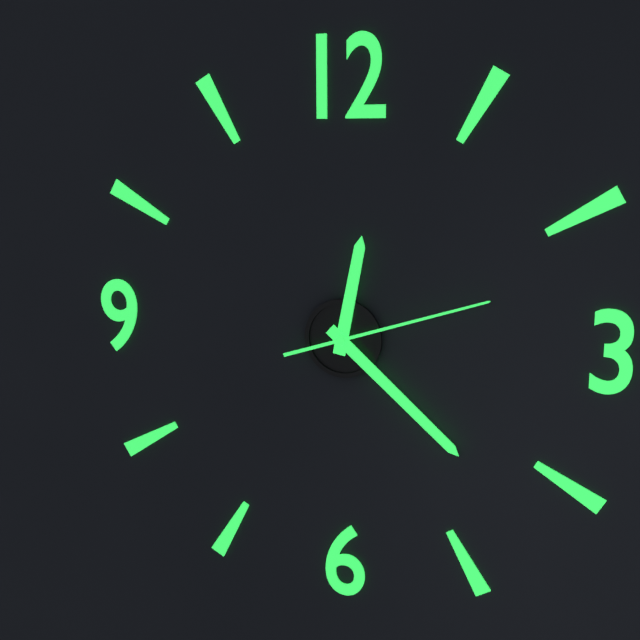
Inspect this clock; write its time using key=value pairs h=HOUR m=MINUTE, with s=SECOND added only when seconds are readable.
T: h=12 m=22 s=12
